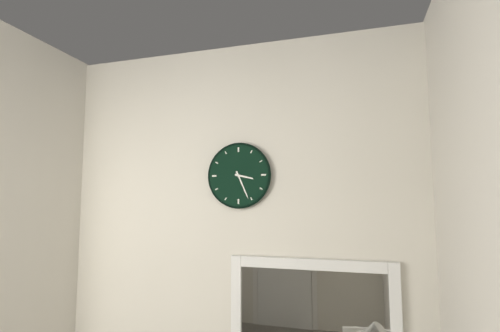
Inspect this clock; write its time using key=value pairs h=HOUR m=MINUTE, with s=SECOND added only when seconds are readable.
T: h=3 m=26
